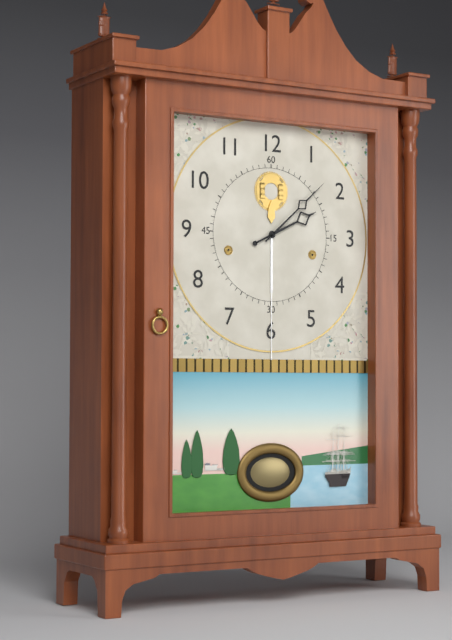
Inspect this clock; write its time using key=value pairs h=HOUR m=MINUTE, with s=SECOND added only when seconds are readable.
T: h=2 m=8
